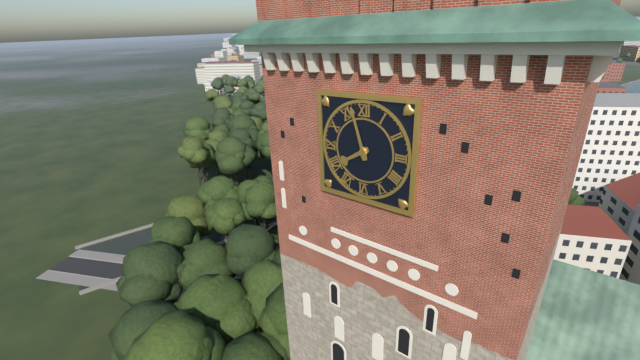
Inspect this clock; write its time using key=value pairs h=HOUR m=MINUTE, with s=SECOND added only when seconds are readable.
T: h=7 m=57
